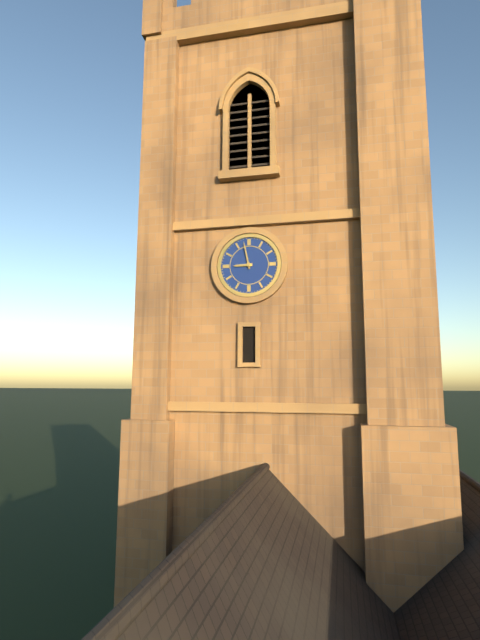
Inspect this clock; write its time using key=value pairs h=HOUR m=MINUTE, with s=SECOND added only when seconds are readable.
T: h=8 m=58
